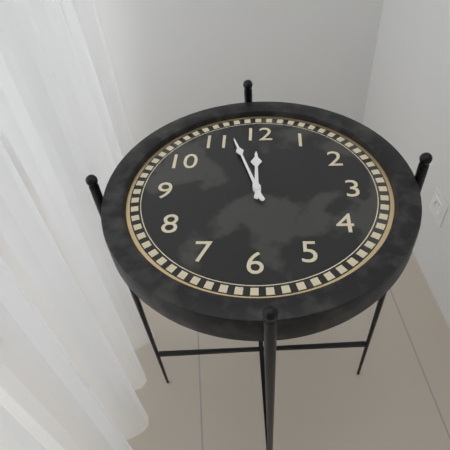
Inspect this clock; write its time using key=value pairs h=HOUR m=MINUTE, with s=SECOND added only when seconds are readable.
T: h=11 m=57
